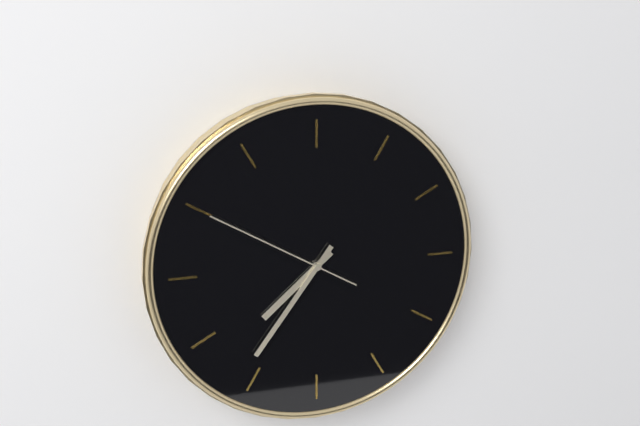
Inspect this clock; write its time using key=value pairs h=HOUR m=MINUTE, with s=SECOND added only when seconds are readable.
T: h=7 m=36 s=50
